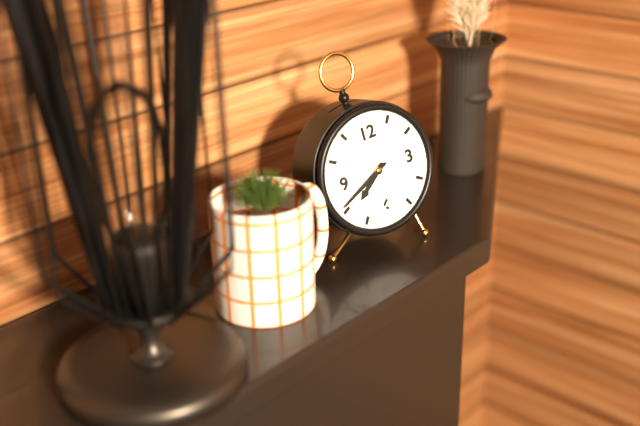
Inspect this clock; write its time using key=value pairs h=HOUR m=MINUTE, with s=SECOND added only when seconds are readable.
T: h=7 m=41
